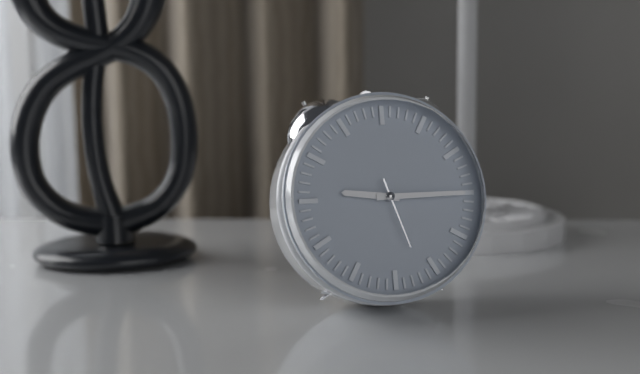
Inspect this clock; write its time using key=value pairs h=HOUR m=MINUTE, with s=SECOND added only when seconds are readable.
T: h=9 m=15 s=27
